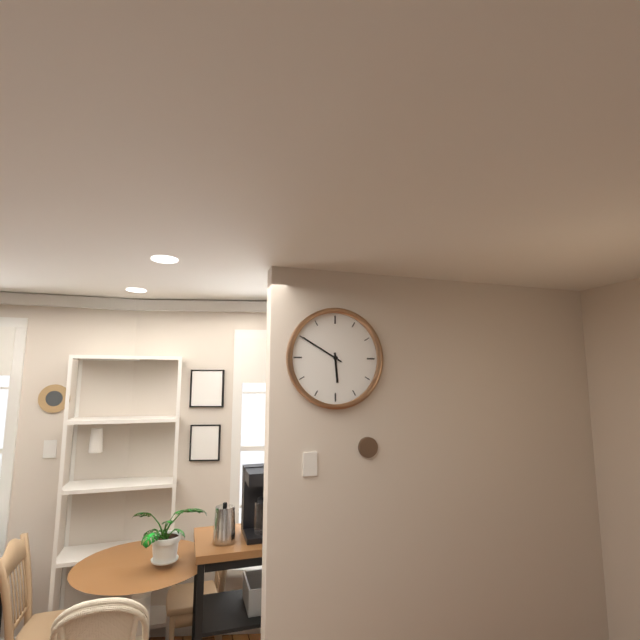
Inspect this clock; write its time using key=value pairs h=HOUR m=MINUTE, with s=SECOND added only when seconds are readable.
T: h=5 m=50
